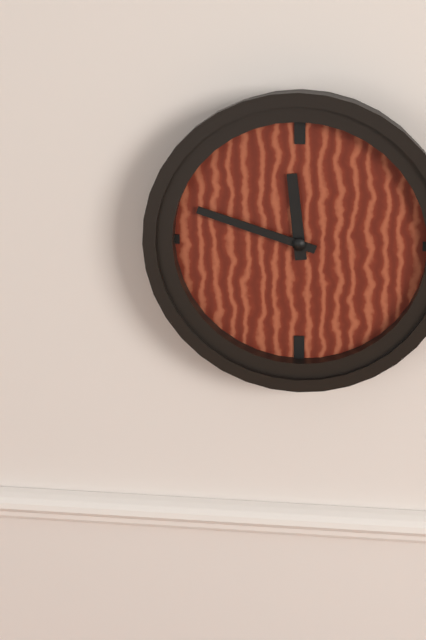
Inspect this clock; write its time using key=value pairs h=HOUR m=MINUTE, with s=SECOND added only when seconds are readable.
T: h=11 m=48
